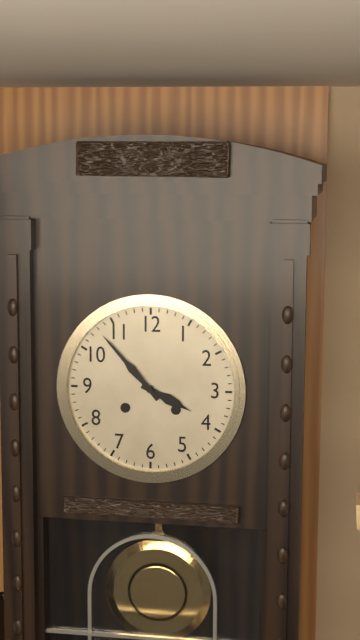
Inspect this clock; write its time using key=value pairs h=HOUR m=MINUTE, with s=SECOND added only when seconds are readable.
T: h=3 m=53
